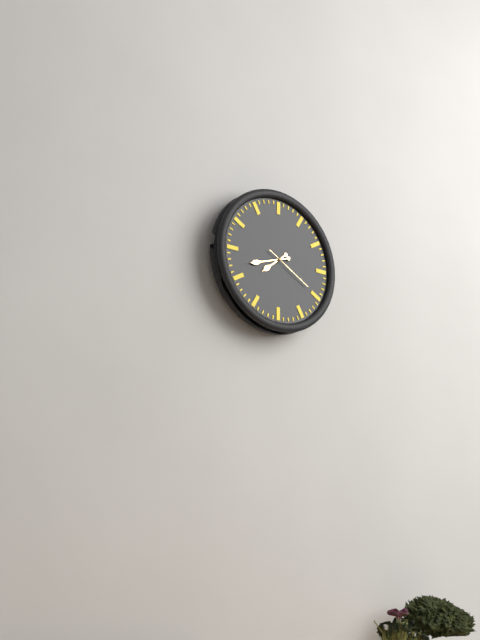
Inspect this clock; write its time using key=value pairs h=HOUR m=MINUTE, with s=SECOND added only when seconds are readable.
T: h=7 m=42 s=20
